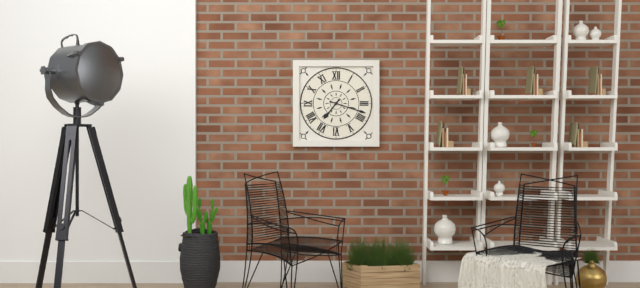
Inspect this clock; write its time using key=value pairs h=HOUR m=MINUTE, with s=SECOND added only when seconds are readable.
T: h=7 m=18
